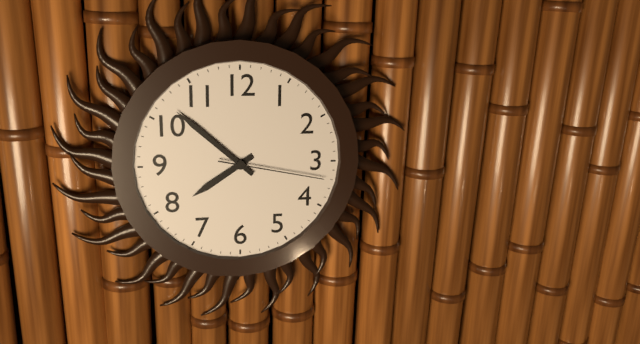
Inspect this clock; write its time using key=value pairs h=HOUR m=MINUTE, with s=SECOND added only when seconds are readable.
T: h=7 m=52 s=17
